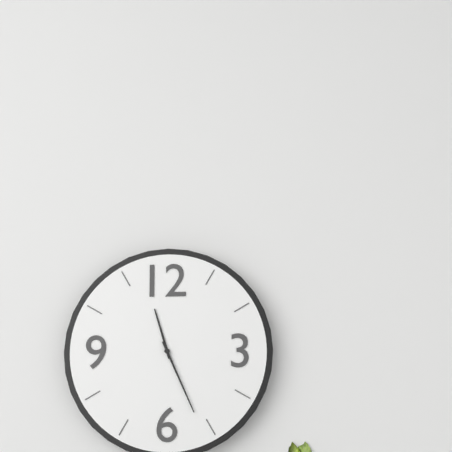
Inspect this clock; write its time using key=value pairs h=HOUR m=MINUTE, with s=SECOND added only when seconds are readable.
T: h=11 m=26
